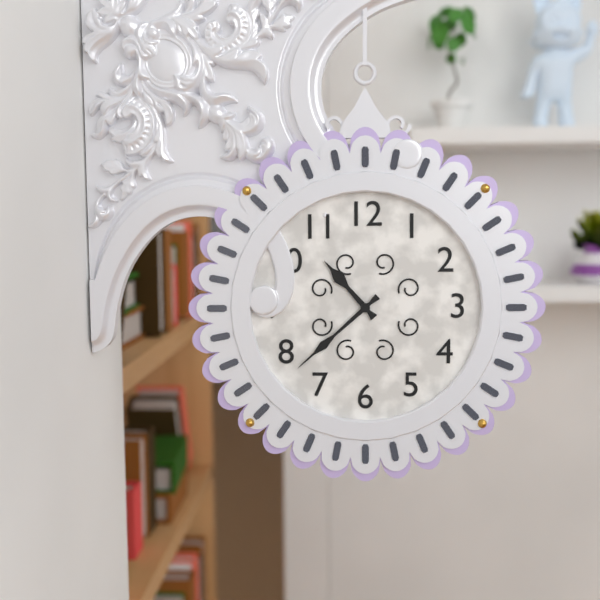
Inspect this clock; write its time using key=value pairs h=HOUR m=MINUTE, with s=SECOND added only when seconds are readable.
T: h=10 m=38
